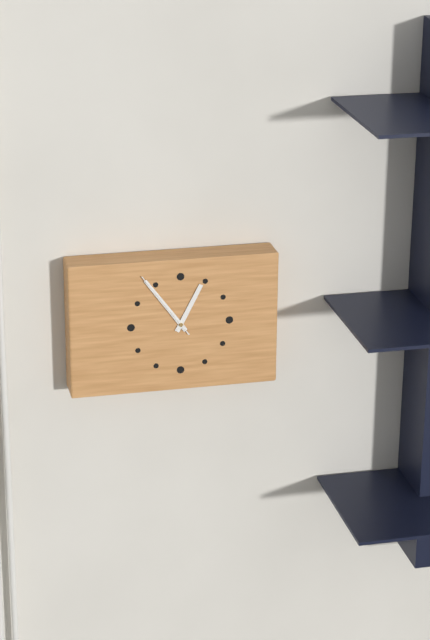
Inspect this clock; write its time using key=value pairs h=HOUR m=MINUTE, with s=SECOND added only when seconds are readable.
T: h=12 m=54 s=54
